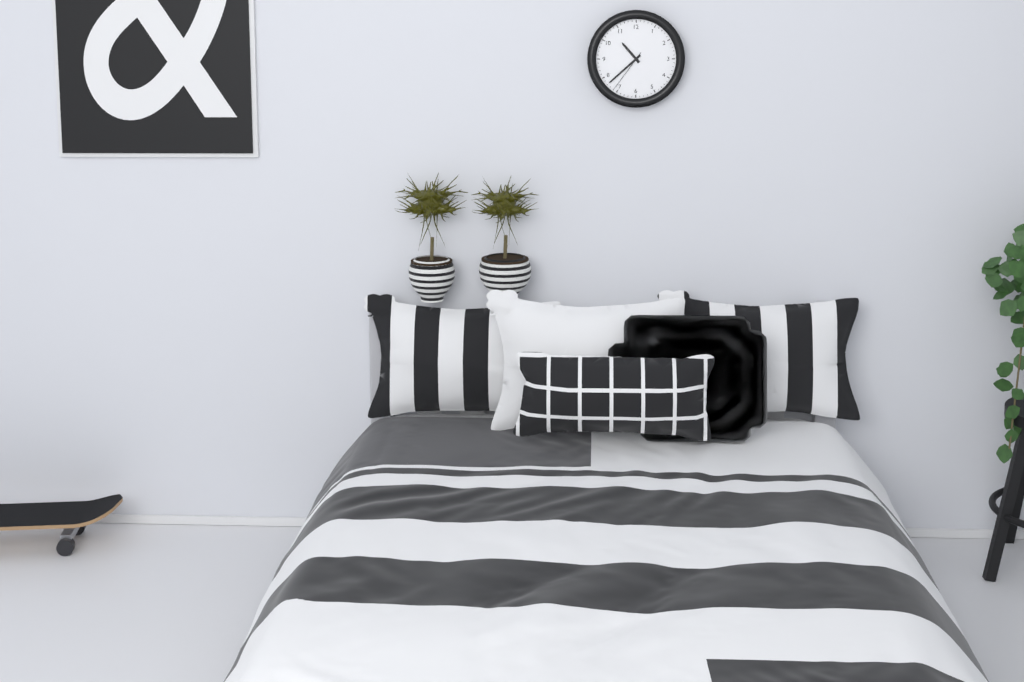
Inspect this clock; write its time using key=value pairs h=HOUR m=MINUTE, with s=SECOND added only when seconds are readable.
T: h=10 m=38
